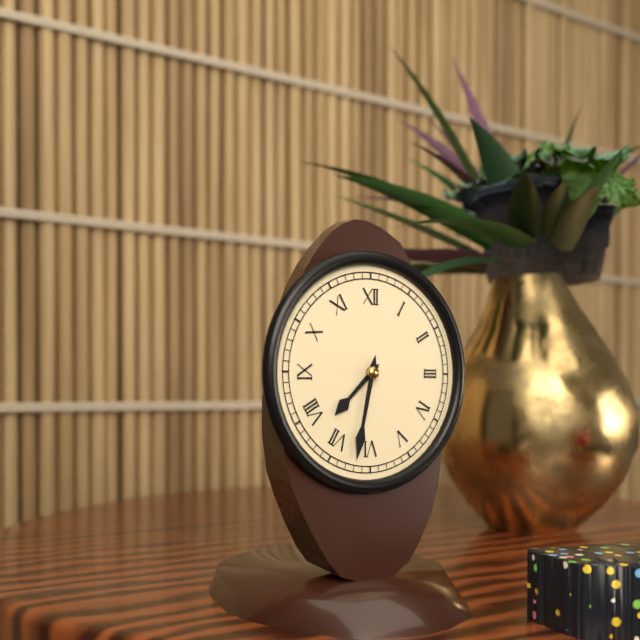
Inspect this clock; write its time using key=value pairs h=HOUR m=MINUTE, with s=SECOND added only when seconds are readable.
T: h=7 m=32
